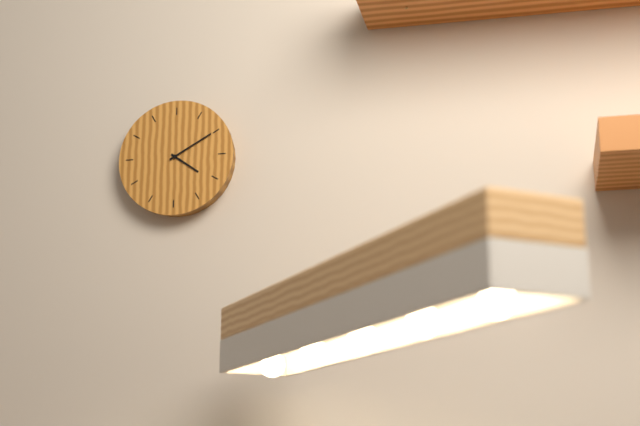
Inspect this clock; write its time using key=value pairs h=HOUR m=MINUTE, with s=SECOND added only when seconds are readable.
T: h=4 m=10
